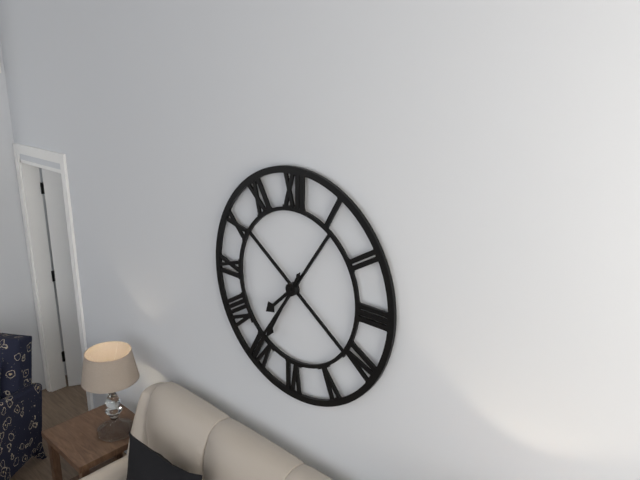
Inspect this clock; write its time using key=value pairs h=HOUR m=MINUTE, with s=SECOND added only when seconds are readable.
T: h=7 m=35
